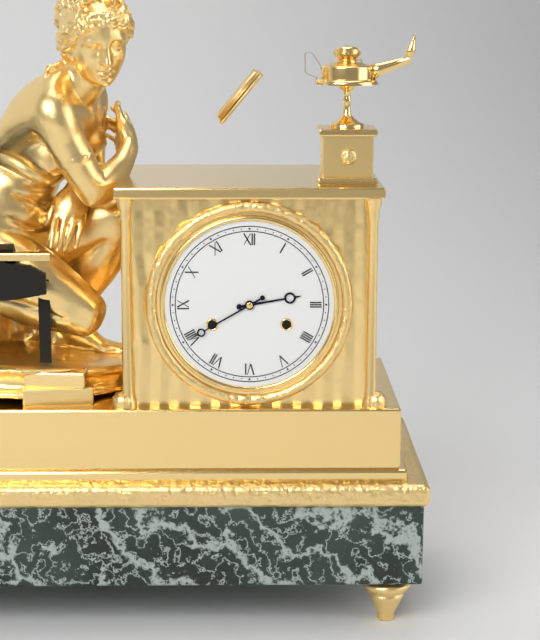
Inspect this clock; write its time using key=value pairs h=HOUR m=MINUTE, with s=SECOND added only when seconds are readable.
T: h=2 m=40
